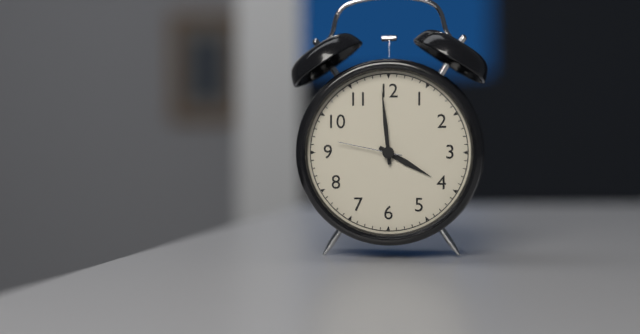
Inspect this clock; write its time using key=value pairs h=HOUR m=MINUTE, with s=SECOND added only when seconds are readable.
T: h=3 m=59 s=47
